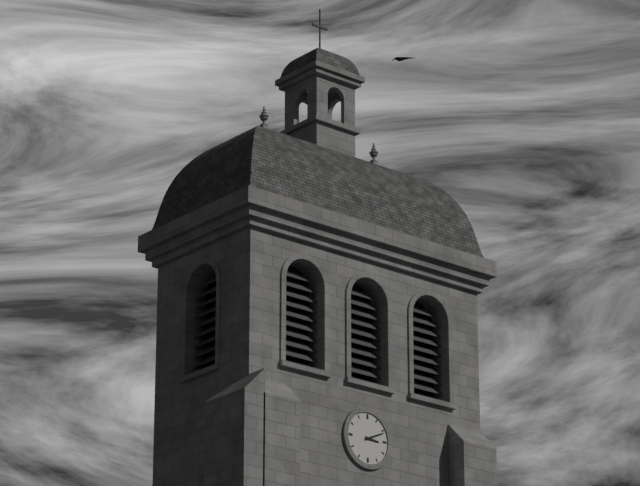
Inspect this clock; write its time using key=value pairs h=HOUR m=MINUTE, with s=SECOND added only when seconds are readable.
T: h=3 m=11
